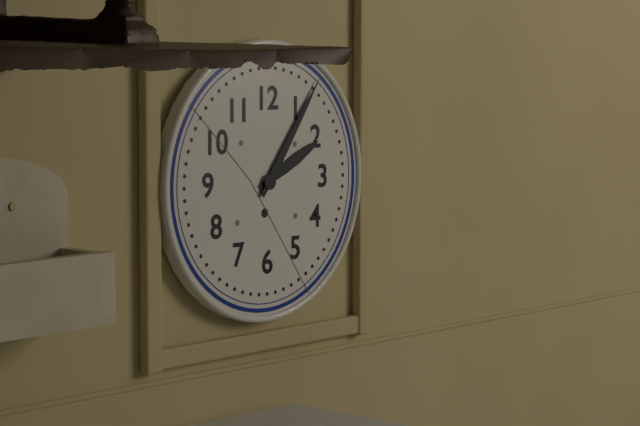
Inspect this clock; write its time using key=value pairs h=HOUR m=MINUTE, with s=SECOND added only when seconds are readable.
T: h=2 m=6
